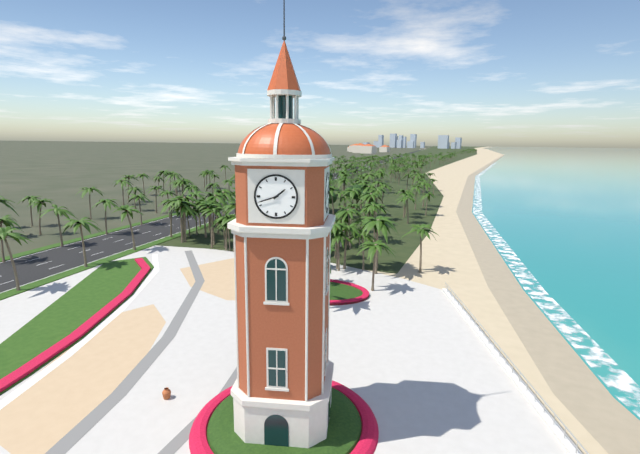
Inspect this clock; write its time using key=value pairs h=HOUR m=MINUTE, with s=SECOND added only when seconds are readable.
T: h=1 m=42
